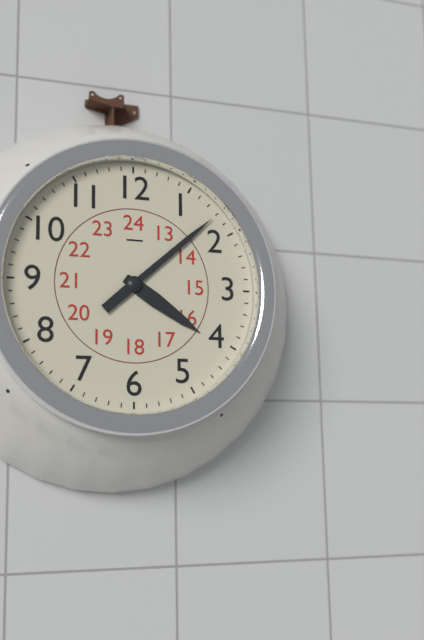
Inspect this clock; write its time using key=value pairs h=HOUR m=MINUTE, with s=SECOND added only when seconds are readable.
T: h=4 m=8
